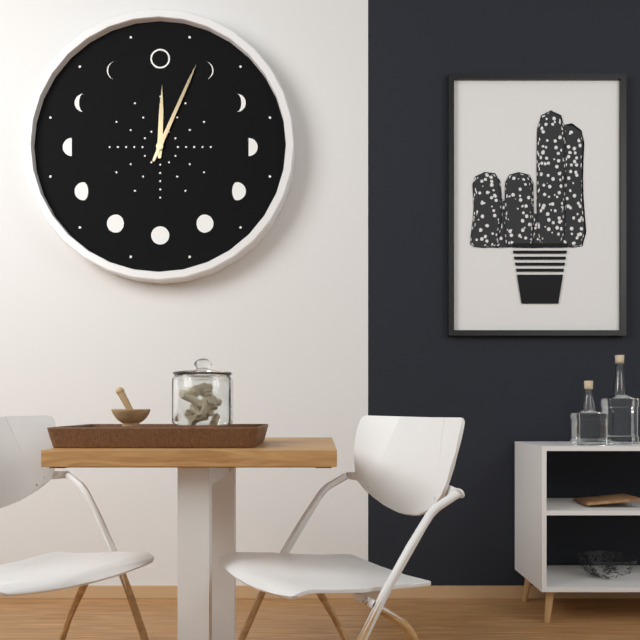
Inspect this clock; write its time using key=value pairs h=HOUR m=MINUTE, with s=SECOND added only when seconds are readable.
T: h=12 m=4
